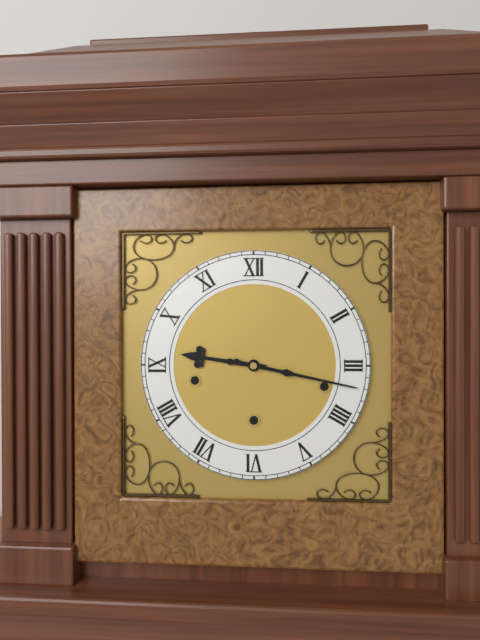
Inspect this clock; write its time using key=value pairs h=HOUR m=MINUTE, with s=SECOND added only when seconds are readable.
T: h=9 m=17
